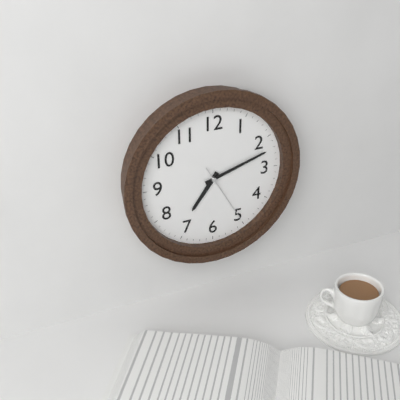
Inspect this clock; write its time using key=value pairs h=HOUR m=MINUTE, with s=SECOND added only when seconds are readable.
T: h=7 m=12 s=25
